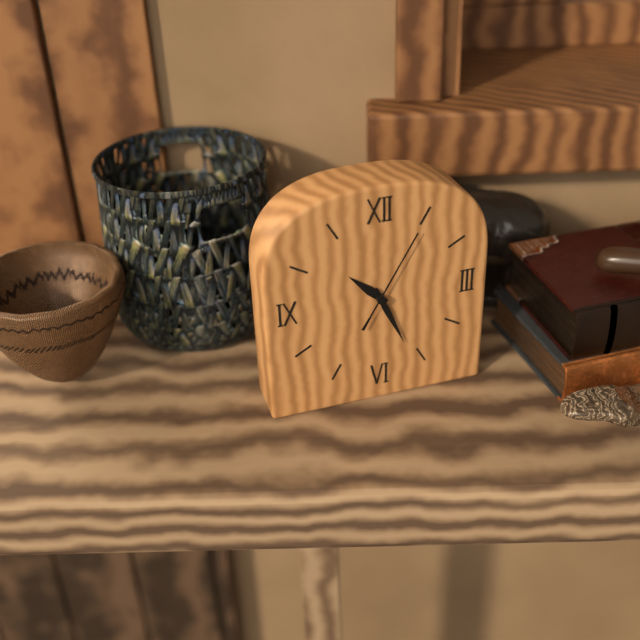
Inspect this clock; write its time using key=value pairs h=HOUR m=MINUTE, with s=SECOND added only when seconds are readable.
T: h=10 m=26 s=5
